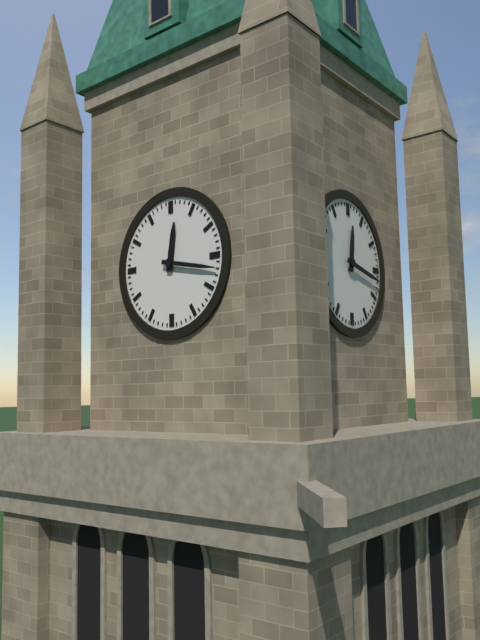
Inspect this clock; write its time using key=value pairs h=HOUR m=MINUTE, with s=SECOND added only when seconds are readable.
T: h=12 m=17
